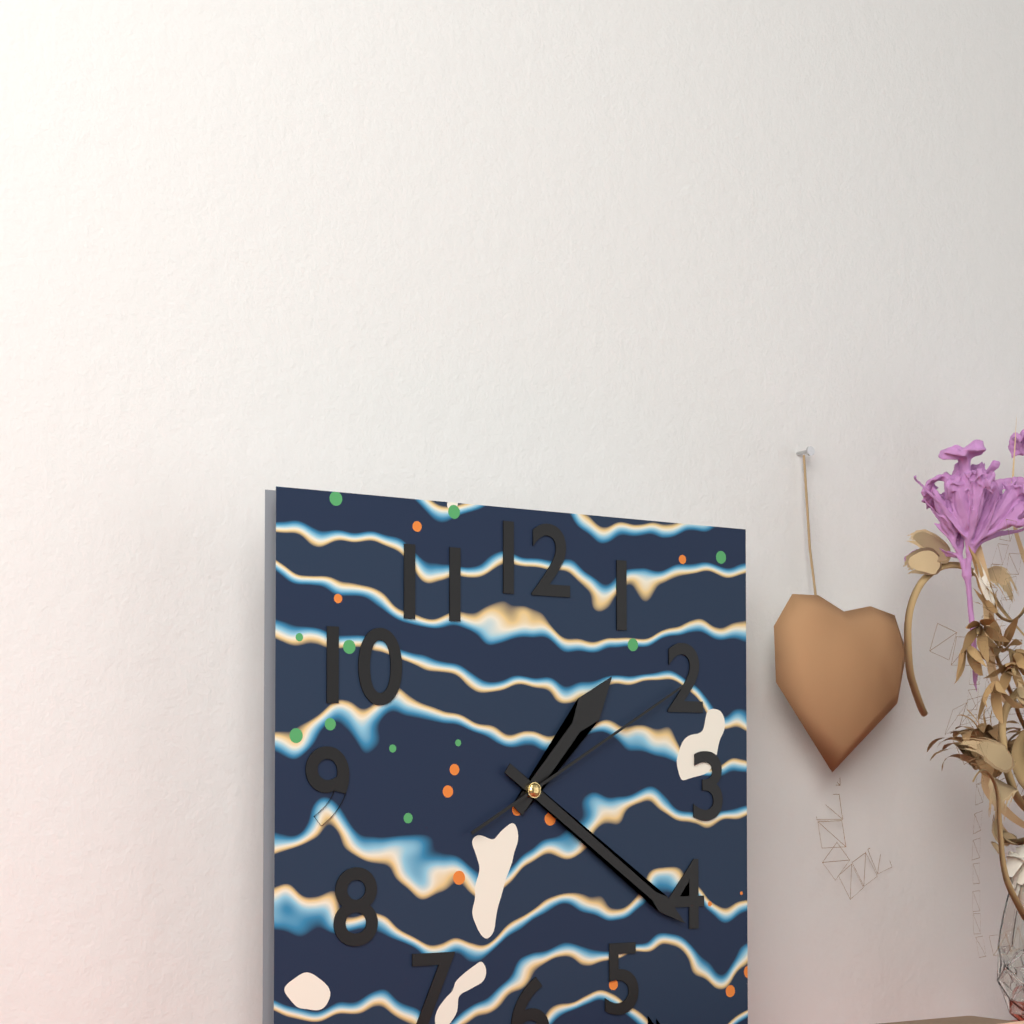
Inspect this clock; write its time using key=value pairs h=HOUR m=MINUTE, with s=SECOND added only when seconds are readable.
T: h=1 m=21 s=10
